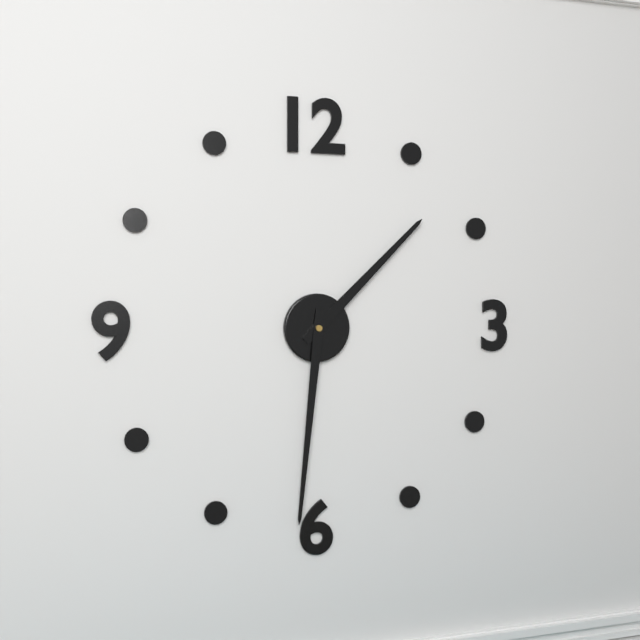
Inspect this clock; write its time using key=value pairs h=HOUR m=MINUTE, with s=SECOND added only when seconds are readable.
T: h=1 m=31
